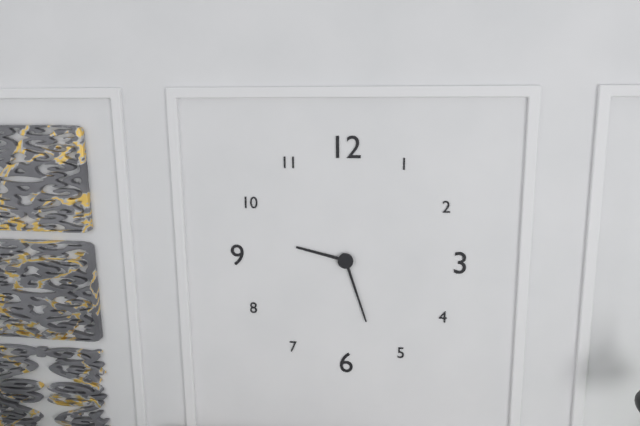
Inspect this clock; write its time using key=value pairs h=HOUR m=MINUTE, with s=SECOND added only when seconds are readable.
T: h=9 m=27
